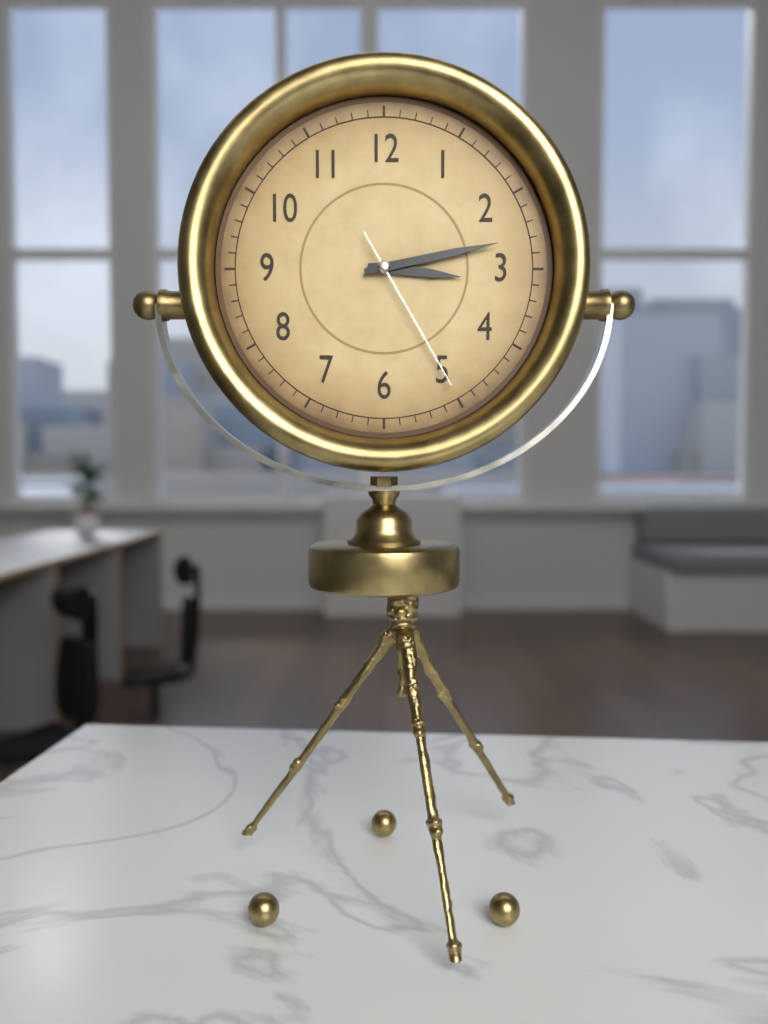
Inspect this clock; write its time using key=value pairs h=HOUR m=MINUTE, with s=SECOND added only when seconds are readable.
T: h=3 m=13 s=25
